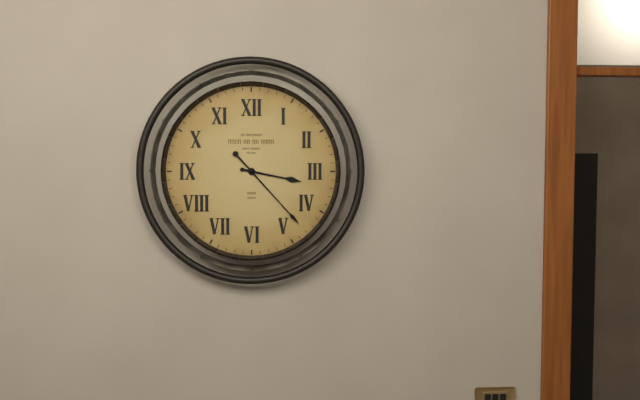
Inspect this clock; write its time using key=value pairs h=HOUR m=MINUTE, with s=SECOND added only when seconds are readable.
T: h=3 m=23
